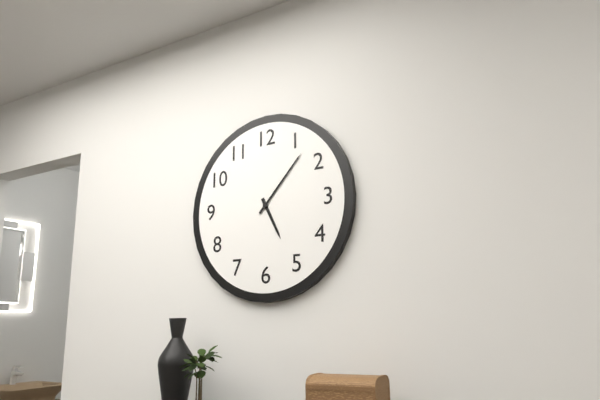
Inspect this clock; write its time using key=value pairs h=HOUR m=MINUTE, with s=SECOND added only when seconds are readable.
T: h=5 m=7
